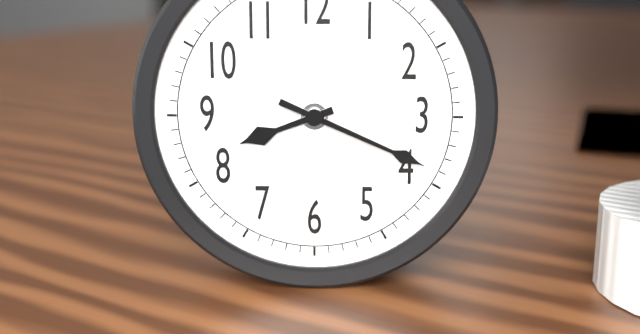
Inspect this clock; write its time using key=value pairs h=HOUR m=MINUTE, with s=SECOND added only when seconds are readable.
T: h=8 m=19
